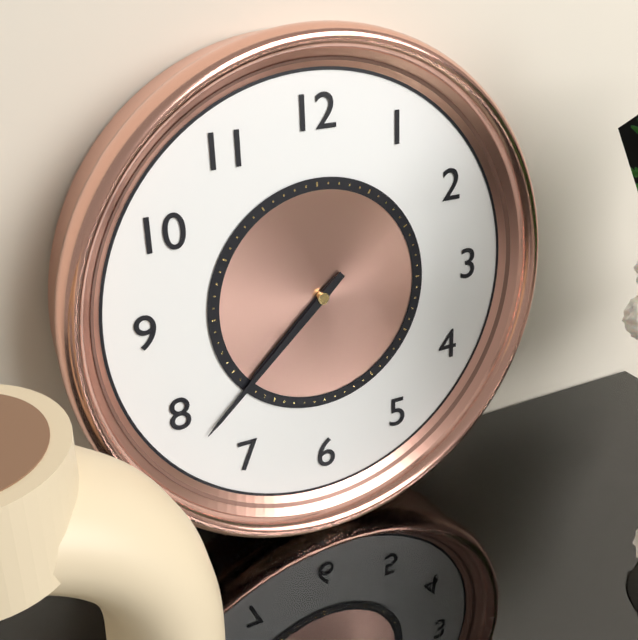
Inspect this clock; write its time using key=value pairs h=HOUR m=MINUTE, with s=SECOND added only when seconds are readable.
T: h=7 m=38
